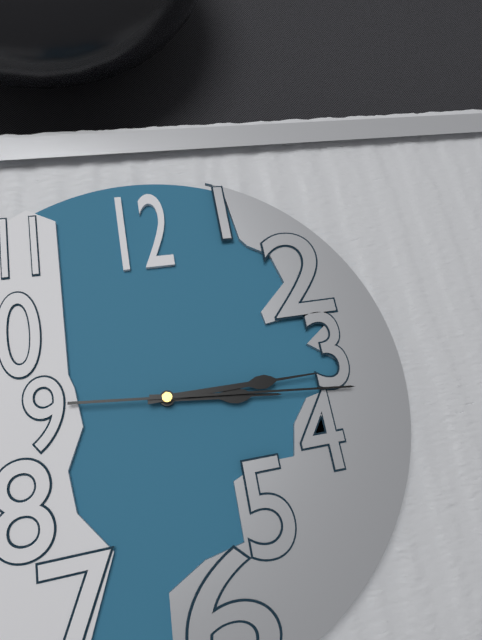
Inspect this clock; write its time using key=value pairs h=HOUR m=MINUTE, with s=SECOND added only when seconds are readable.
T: h=3 m=15 s=16
